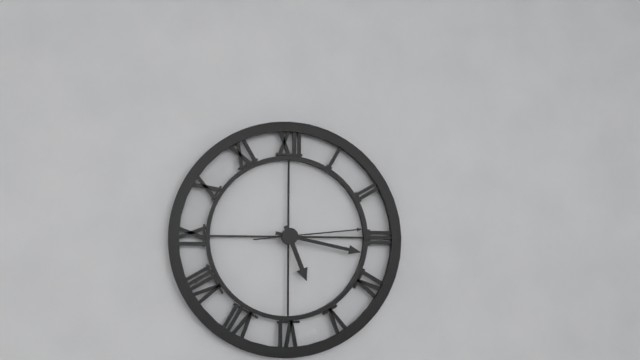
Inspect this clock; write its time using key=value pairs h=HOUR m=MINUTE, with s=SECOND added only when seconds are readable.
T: h=5 m=17 s=14
